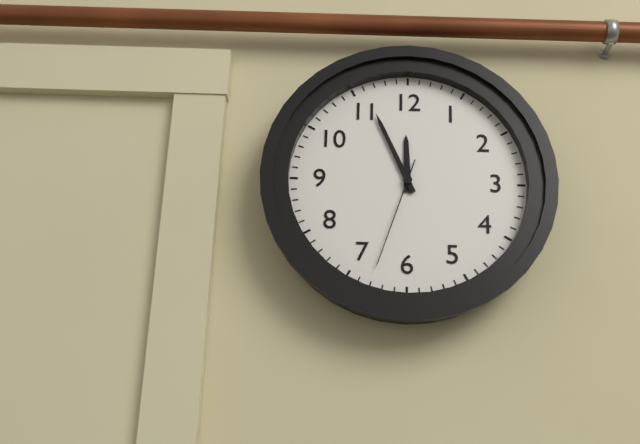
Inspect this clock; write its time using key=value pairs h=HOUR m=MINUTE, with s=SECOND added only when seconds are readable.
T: h=11 m=56 s=33
